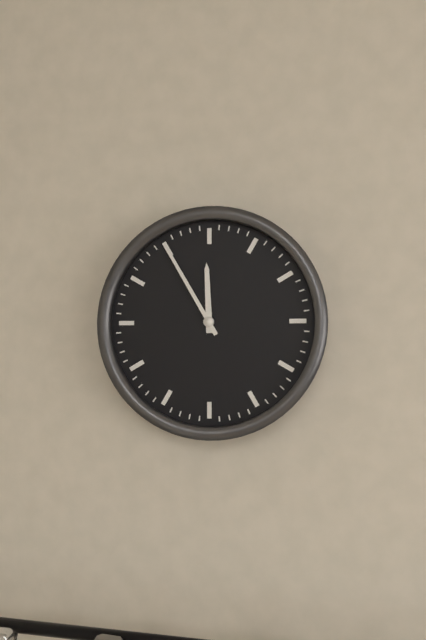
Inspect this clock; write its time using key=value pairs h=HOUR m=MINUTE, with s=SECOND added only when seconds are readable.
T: h=11 m=55
